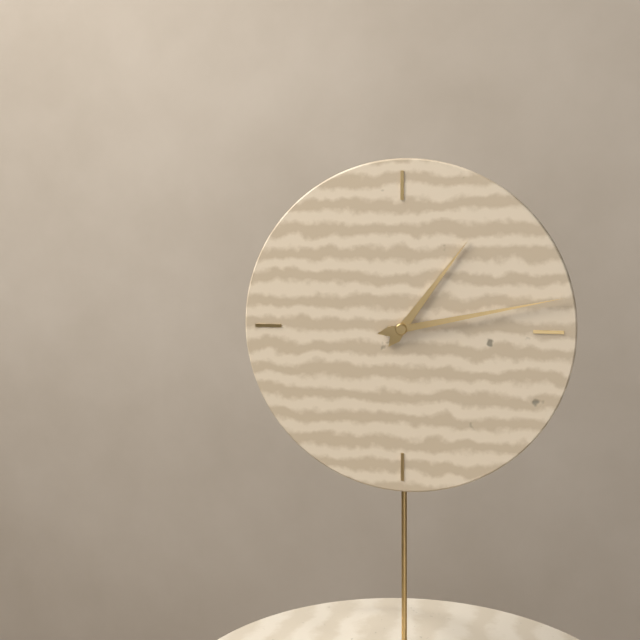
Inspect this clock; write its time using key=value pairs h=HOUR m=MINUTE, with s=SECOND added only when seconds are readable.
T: h=1 m=13
